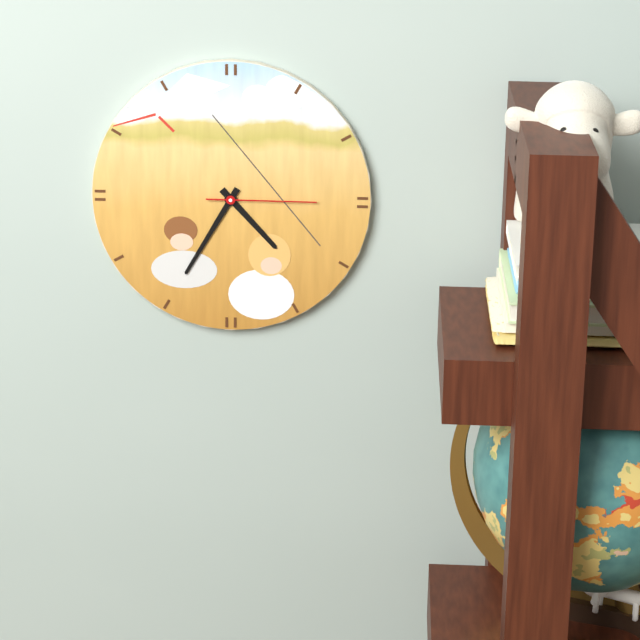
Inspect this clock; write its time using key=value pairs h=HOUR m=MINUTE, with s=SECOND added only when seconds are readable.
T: h=4 m=35 s=15
